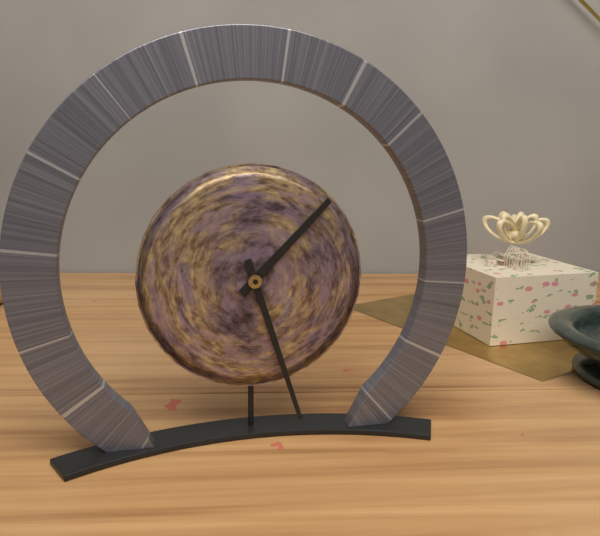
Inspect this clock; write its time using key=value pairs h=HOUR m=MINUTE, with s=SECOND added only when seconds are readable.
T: h=1 m=27
